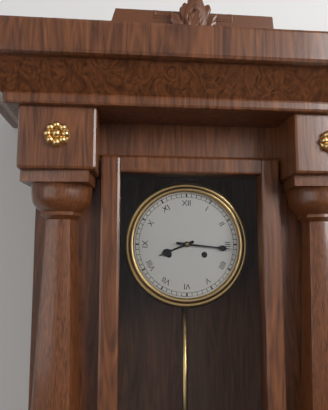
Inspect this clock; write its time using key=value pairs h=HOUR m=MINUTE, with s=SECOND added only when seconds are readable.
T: h=8 m=16
